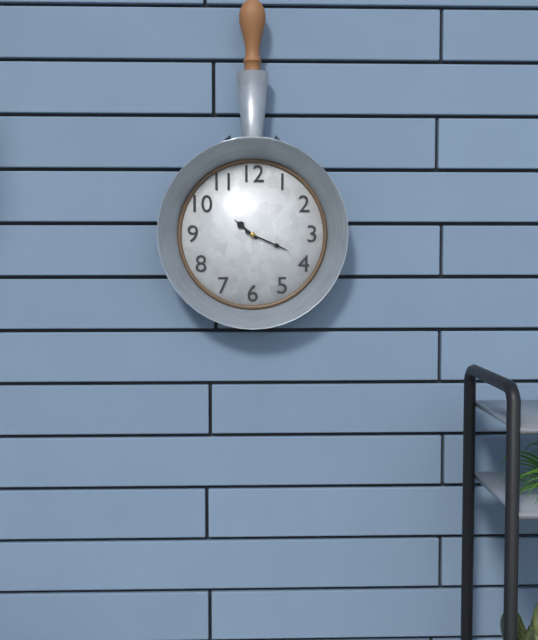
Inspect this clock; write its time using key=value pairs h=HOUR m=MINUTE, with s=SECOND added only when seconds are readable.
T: h=10 m=19
